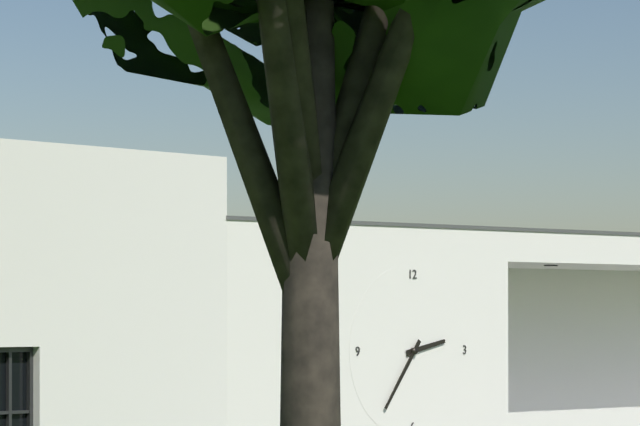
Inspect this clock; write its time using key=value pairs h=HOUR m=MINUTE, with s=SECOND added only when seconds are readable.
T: h=2 m=36
